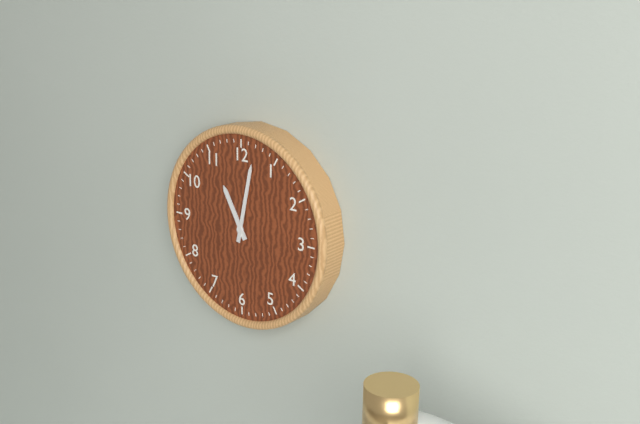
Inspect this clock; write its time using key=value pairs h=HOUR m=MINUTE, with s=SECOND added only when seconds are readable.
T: h=11 m=2
